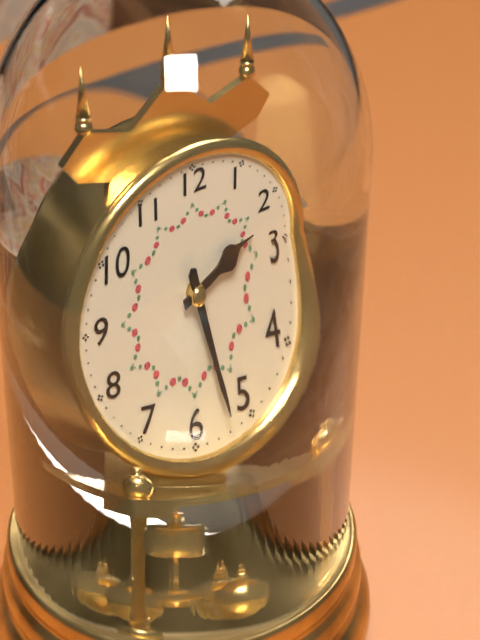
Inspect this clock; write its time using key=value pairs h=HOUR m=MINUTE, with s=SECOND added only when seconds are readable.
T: h=2 m=27
